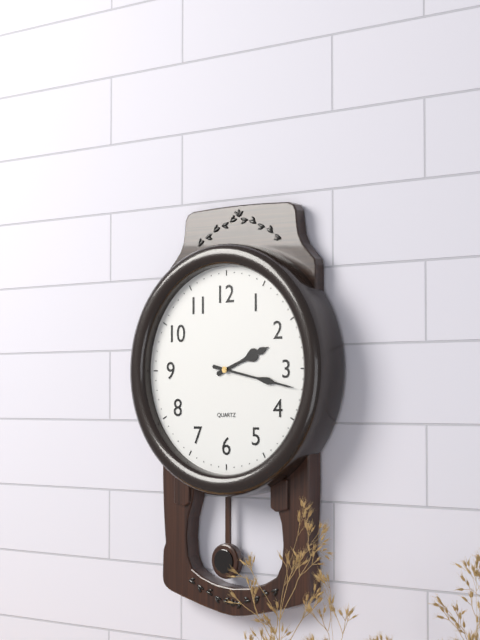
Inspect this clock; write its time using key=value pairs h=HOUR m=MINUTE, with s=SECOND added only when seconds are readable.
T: h=2 m=17
